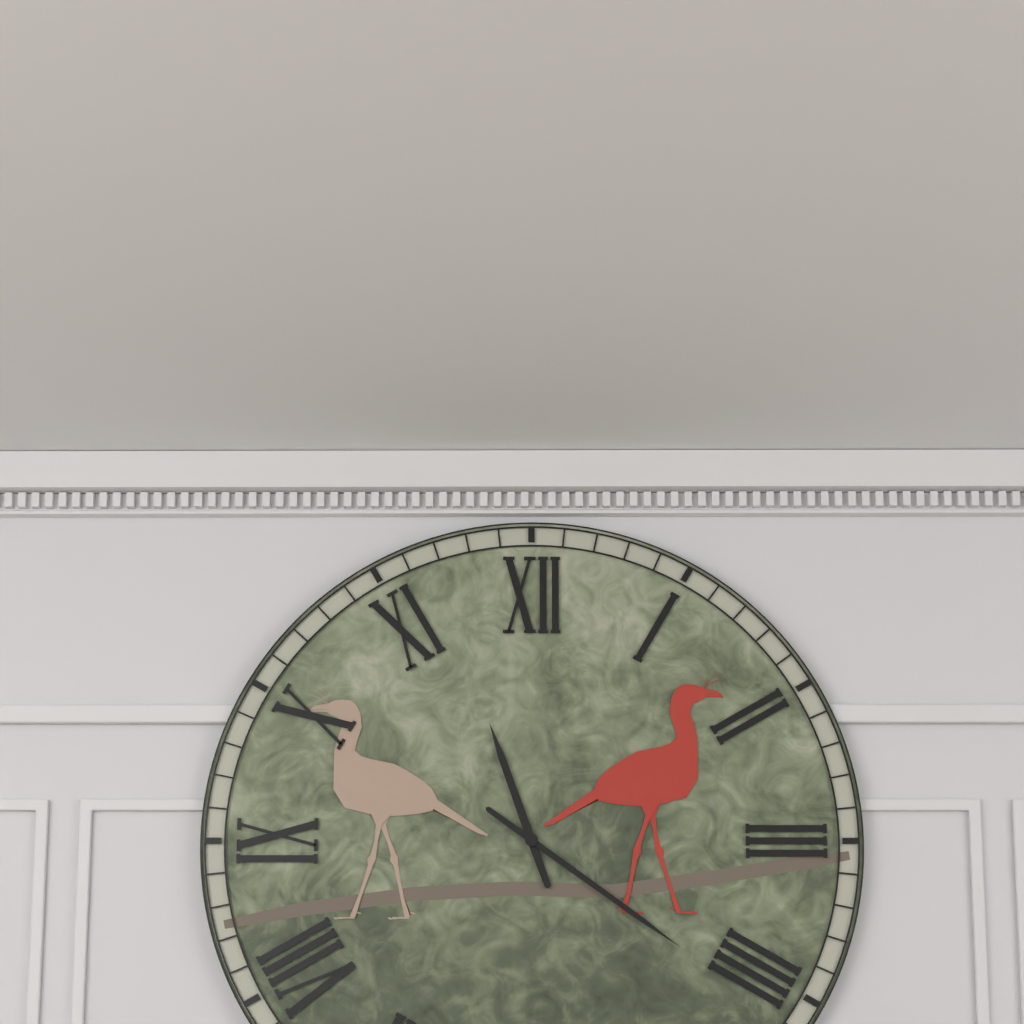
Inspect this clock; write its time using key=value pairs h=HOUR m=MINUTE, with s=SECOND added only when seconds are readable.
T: h=11 m=21
